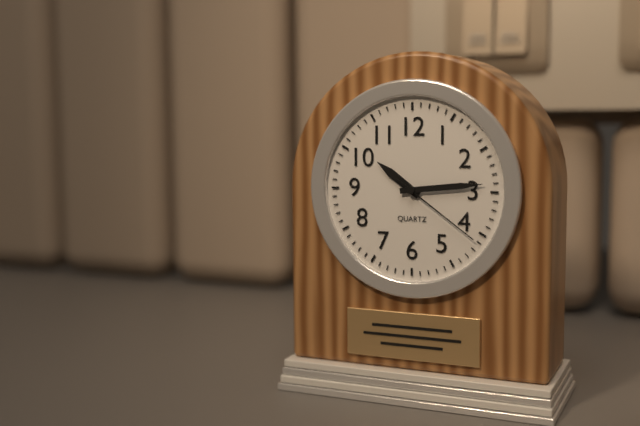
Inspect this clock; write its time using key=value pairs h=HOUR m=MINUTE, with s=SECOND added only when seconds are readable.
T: h=10 m=14 s=21
